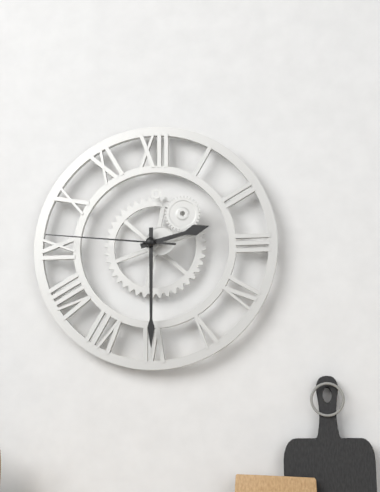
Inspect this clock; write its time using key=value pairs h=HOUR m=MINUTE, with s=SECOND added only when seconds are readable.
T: h=2 m=30 s=46
